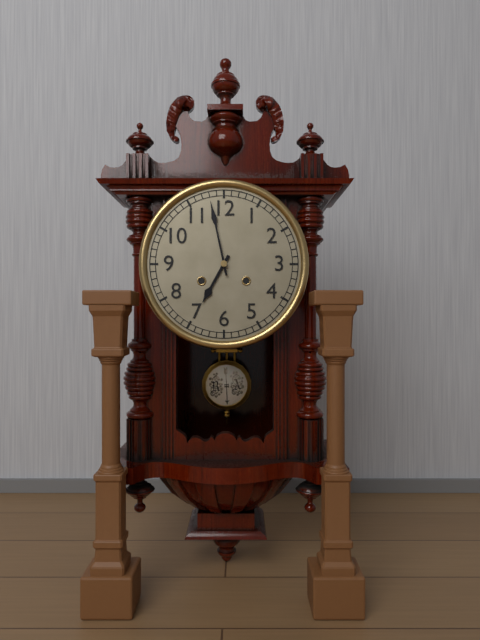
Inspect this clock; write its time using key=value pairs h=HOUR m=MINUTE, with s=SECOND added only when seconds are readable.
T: h=6 m=58
